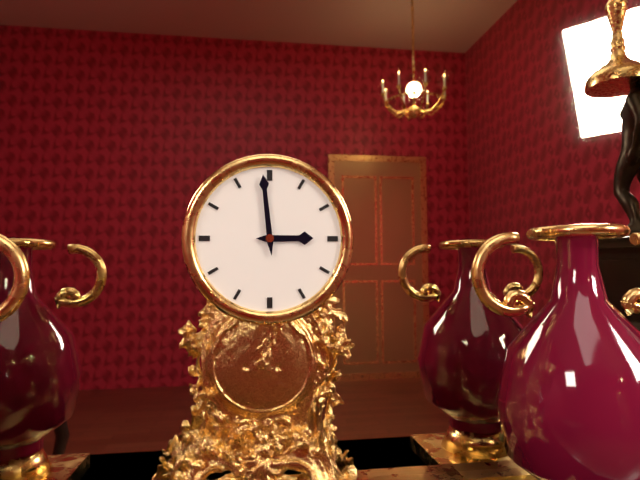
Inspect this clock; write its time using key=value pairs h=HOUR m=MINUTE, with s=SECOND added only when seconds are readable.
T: h=2 m=59
